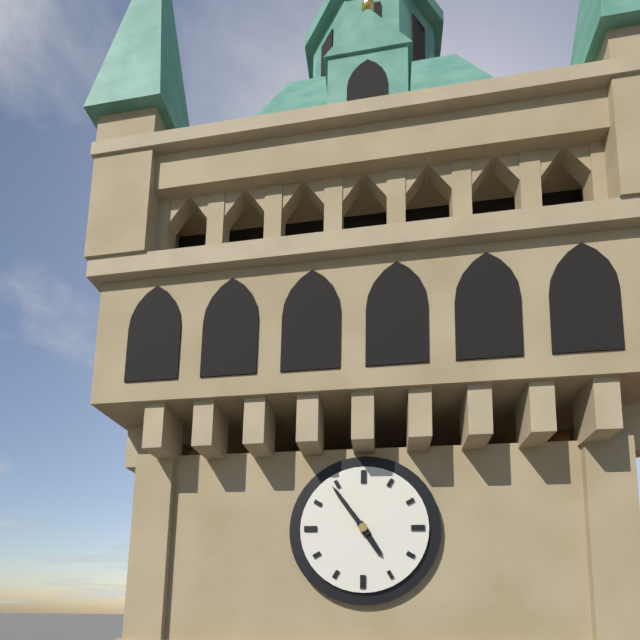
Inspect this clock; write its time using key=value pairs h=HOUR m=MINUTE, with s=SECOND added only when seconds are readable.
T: h=4 m=54
